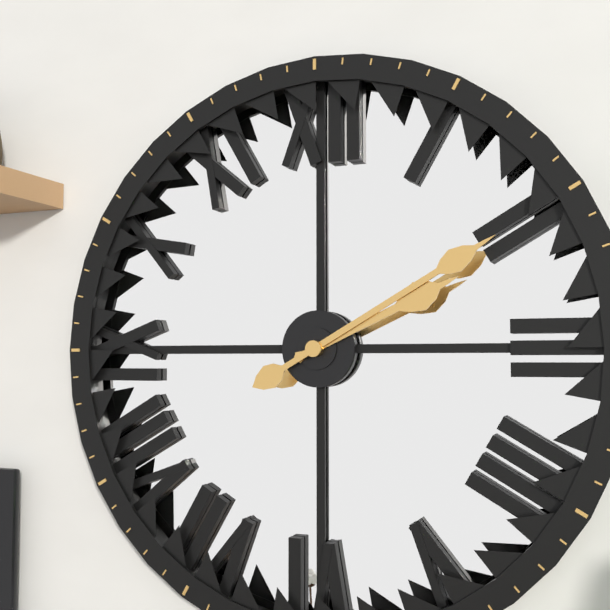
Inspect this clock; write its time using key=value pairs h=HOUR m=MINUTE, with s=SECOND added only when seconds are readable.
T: h=2 m=10
